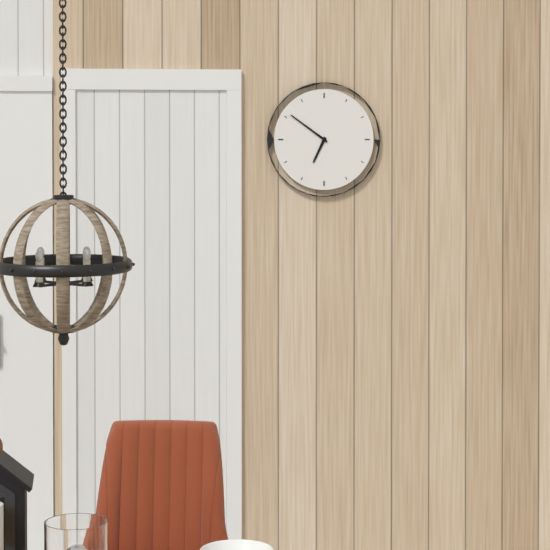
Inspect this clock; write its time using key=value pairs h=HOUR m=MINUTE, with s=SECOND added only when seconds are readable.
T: h=6 m=51
